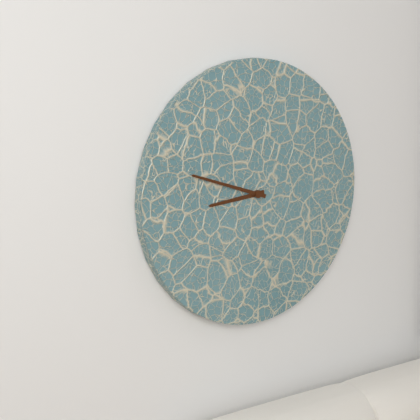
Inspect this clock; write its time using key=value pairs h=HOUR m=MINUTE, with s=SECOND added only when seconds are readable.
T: h=8 m=48
